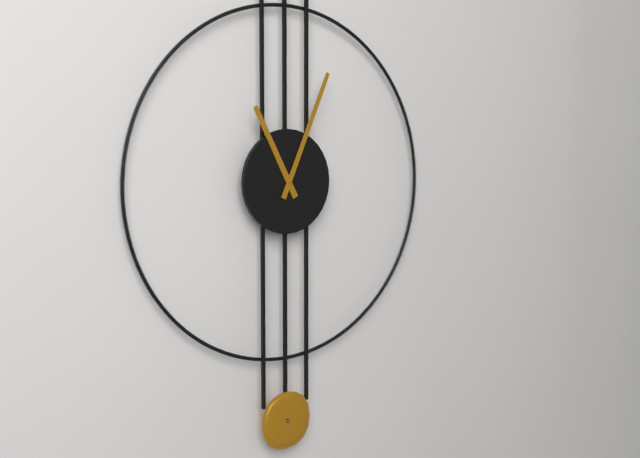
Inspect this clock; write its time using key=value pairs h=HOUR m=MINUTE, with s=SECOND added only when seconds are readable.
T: h=11 m=4
